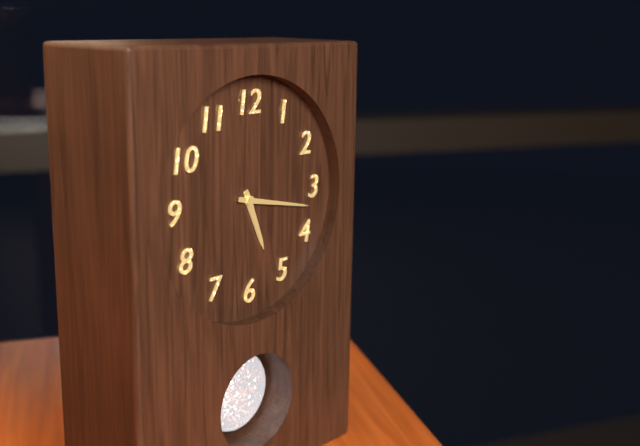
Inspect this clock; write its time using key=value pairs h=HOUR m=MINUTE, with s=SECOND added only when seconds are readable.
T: h=5 m=17
